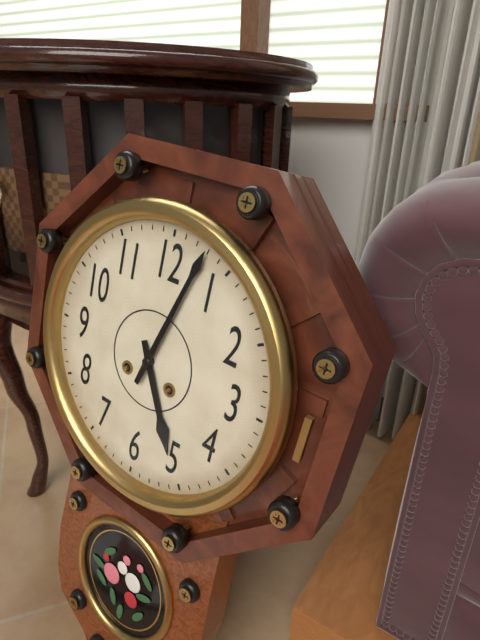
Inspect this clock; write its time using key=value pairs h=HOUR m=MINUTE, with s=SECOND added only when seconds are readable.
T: h=5 m=3
